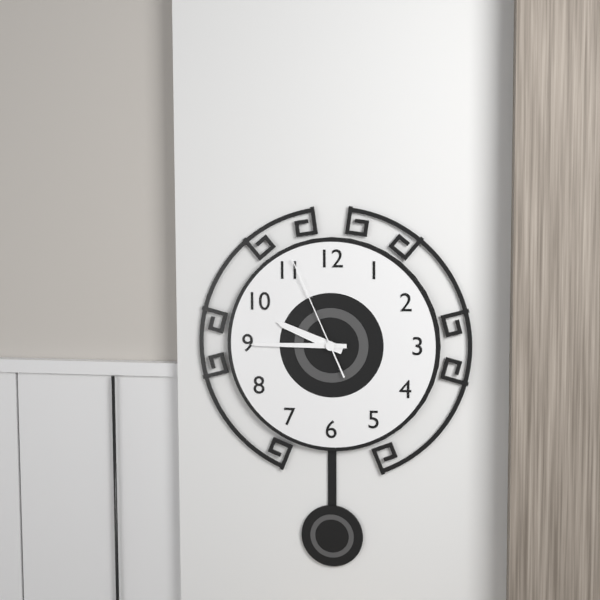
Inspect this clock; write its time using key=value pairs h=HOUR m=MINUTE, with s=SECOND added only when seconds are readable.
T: h=9 m=45 s=56
